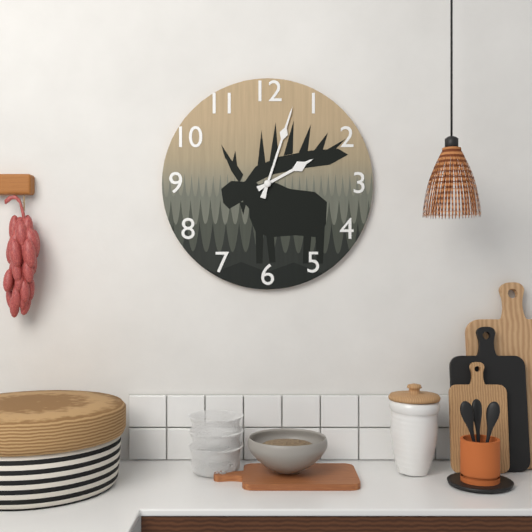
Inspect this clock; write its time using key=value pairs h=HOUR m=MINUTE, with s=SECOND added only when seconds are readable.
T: h=2 m=3
